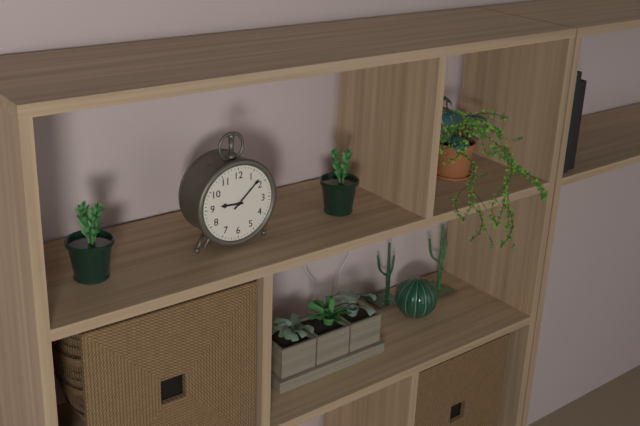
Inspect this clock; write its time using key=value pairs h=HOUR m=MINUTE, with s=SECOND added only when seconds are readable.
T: h=9 m=8
